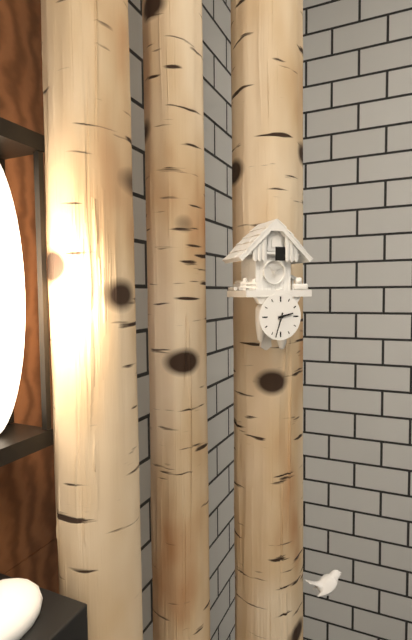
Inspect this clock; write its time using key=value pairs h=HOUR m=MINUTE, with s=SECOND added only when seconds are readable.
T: h=2 m=33
